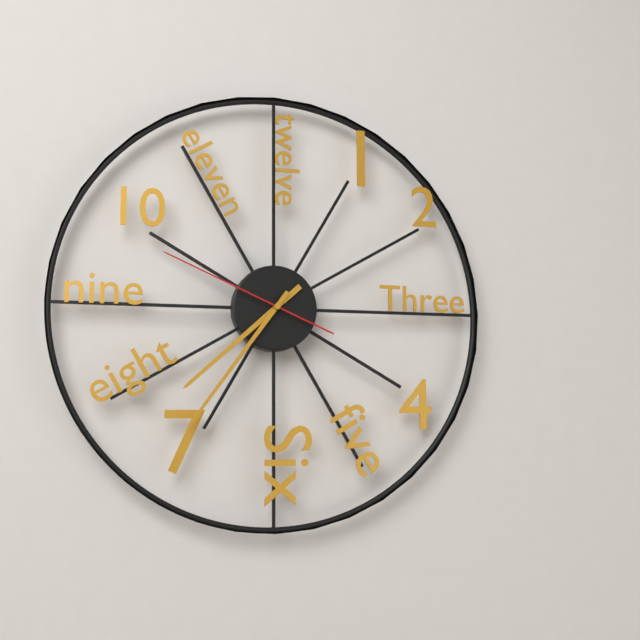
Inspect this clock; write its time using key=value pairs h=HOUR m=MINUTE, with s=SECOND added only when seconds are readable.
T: h=7 m=36 s=49
